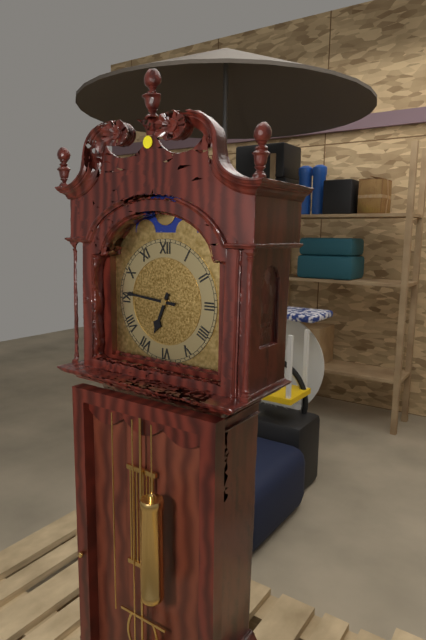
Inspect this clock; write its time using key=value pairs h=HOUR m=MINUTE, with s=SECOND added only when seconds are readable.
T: h=6 m=46
